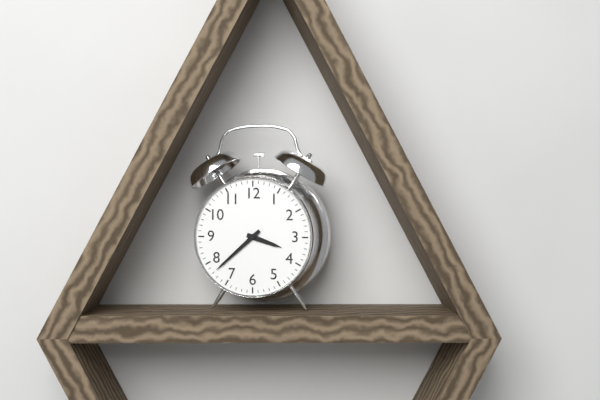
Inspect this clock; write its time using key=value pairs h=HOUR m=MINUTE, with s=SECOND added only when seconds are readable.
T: h=3 m=38
